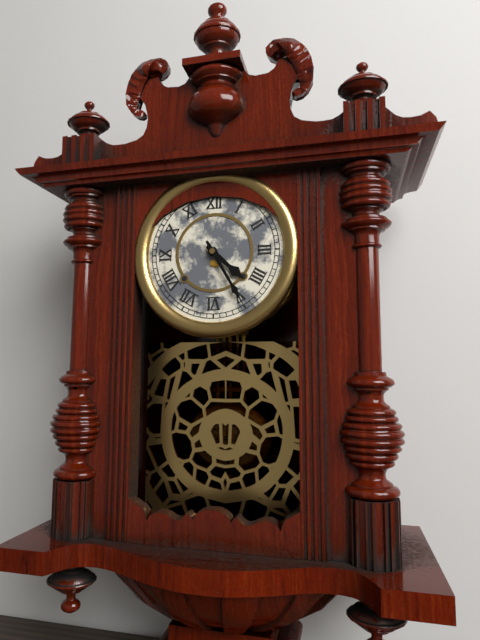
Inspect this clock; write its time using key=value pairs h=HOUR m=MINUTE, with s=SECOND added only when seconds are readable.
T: h=4 m=25
